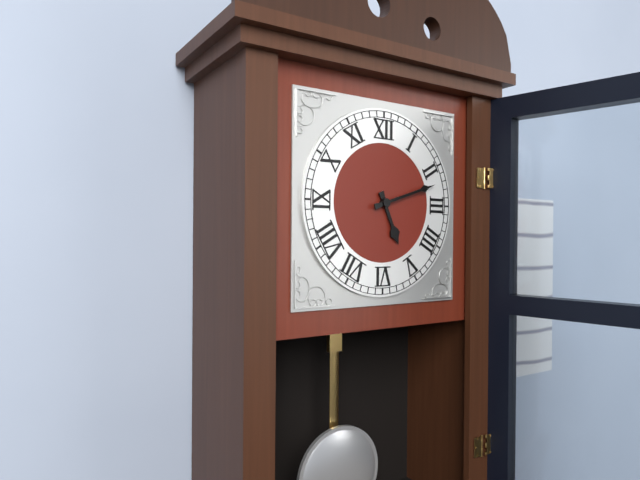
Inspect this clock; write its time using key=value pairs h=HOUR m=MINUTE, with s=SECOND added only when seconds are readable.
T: h=5 m=12
